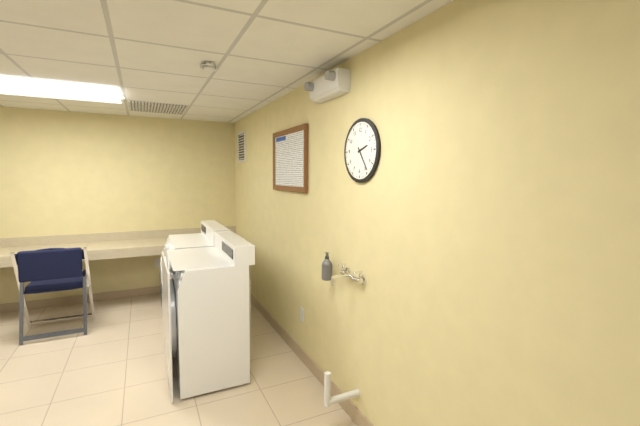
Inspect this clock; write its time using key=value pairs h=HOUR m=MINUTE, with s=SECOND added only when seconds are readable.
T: h=2 m=24
